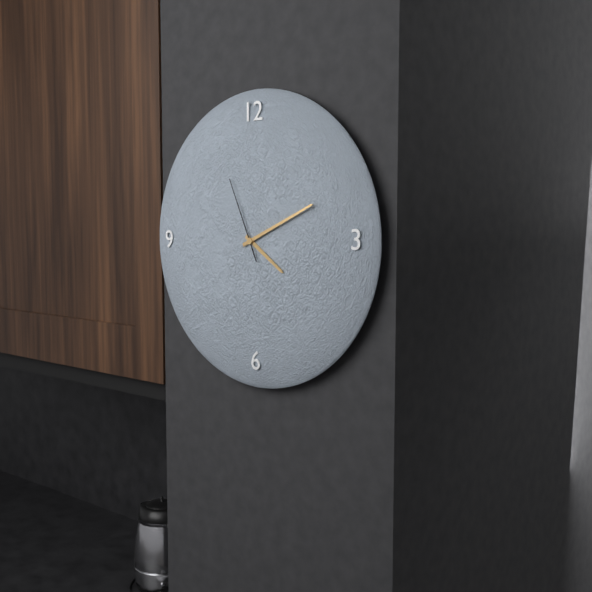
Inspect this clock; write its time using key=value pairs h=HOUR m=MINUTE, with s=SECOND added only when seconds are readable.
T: h=4 m=11 s=56
